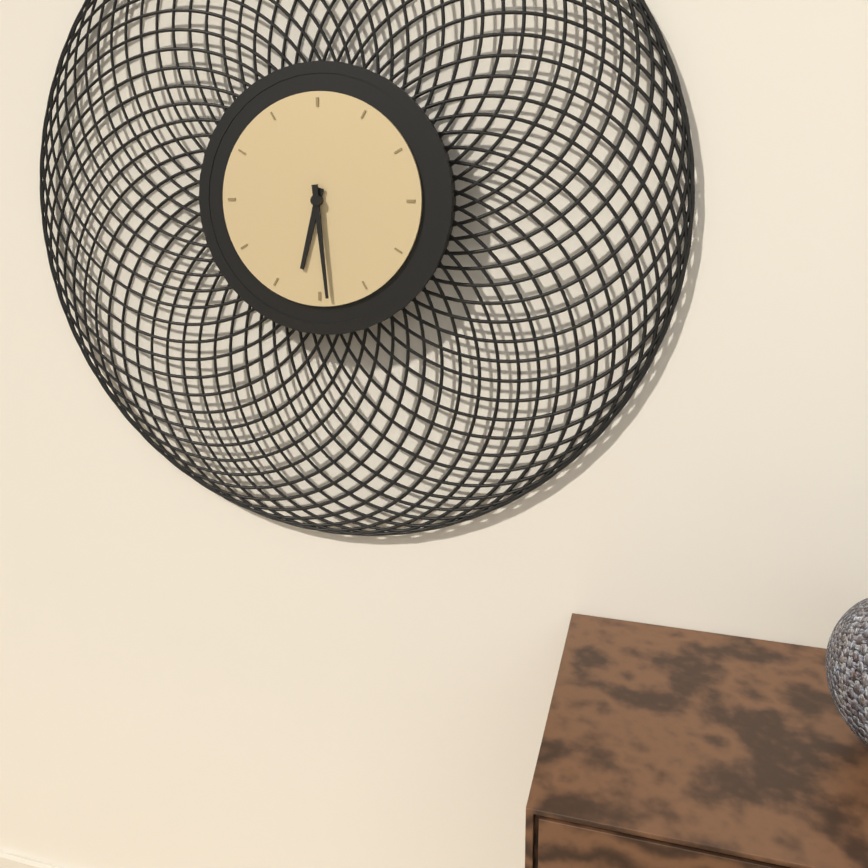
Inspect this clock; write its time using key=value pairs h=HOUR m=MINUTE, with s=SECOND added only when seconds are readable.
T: h=6 m=29
